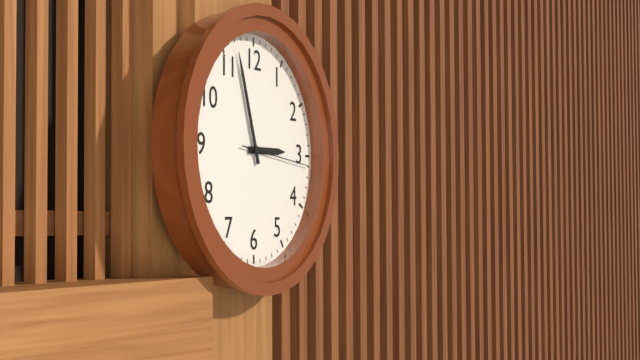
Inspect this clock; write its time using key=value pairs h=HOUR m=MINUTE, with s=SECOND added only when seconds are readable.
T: h=2 m=57 s=16
